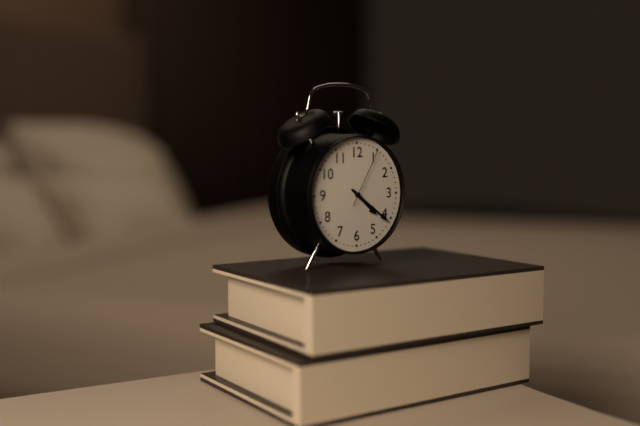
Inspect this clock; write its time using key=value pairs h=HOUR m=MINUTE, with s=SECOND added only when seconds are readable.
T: h=4 m=21 s=5
